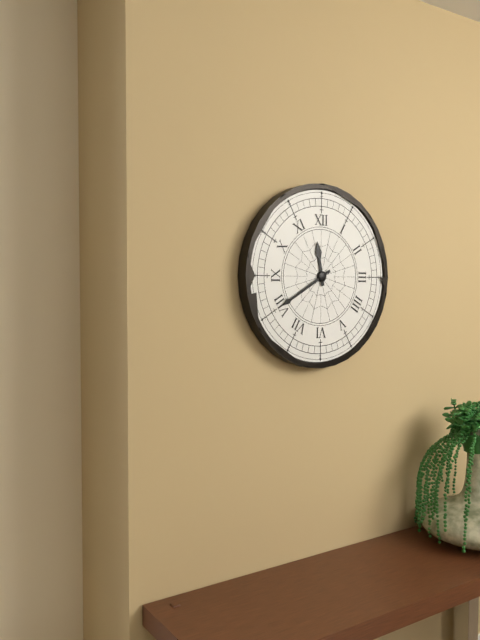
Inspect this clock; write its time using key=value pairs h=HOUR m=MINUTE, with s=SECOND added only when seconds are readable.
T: h=11 m=40
